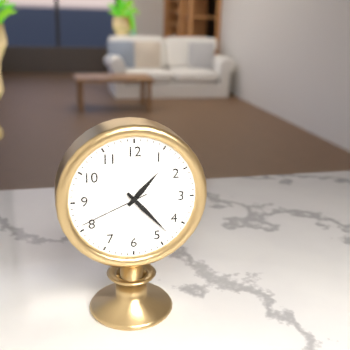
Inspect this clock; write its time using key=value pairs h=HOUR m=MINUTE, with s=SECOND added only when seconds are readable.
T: h=1 m=23 s=41
